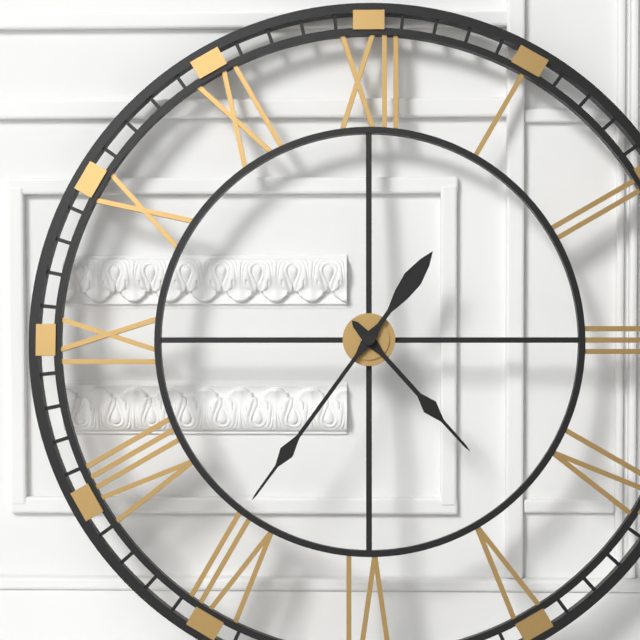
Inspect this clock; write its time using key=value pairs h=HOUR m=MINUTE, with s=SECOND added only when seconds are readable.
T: h=4 m=36
